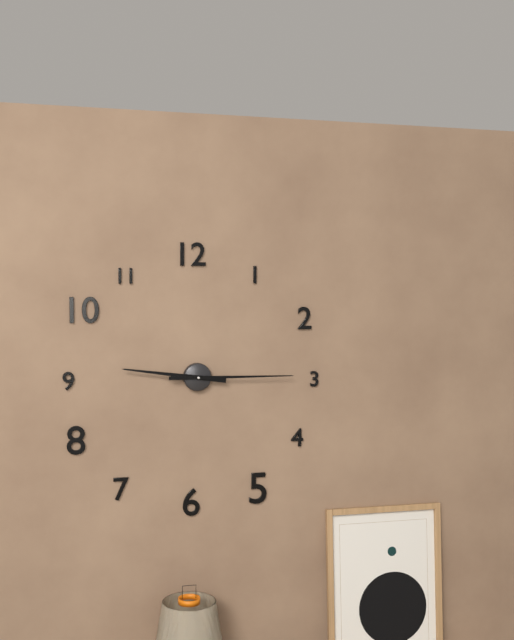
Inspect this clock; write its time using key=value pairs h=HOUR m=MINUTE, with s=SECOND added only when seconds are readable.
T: h=9 m=15
